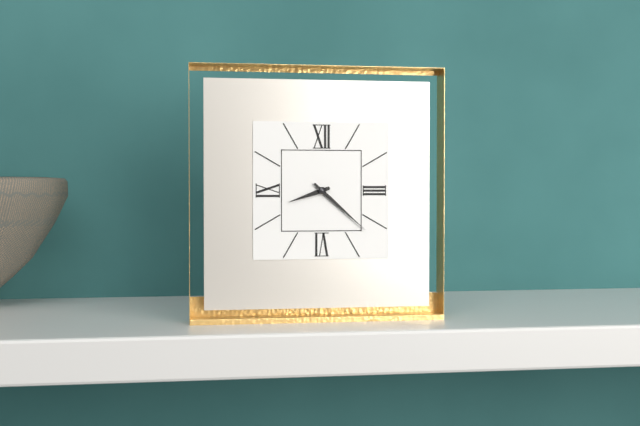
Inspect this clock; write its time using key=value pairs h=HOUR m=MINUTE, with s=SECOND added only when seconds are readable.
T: h=8 m=22
